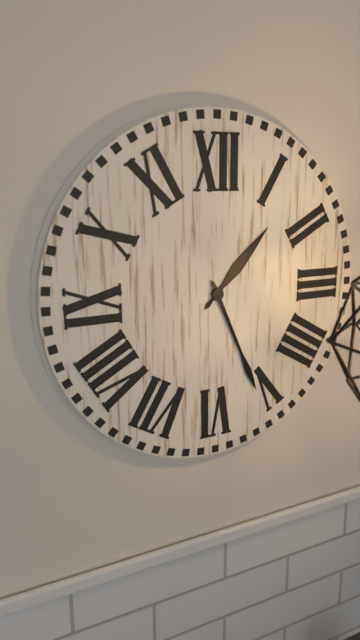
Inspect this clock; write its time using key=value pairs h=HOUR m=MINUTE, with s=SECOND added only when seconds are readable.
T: h=1 m=26
